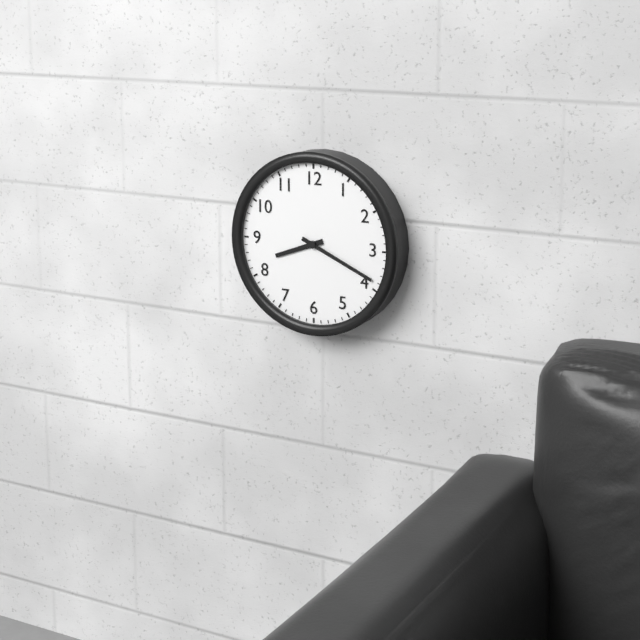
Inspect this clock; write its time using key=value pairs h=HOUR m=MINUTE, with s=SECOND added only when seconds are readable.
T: h=8 m=19
